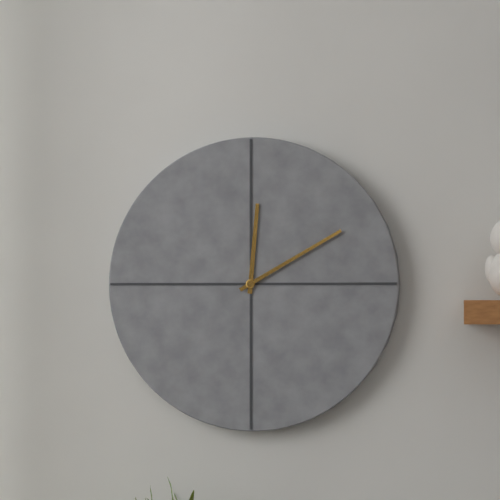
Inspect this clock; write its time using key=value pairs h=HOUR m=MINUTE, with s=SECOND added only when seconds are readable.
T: h=12 m=10
